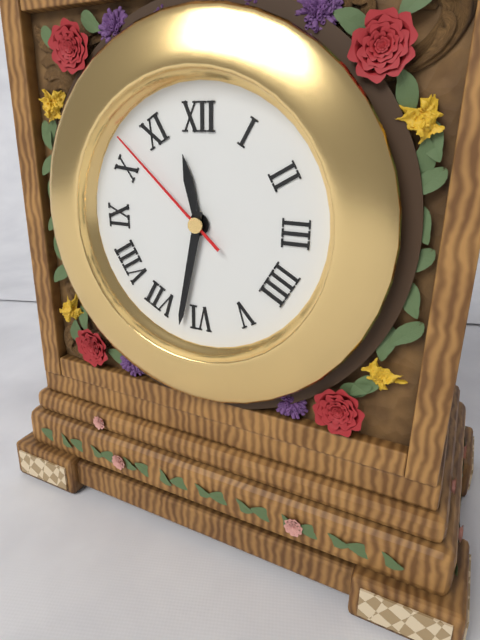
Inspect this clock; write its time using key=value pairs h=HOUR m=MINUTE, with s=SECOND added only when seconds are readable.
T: h=11 m=32 s=52
